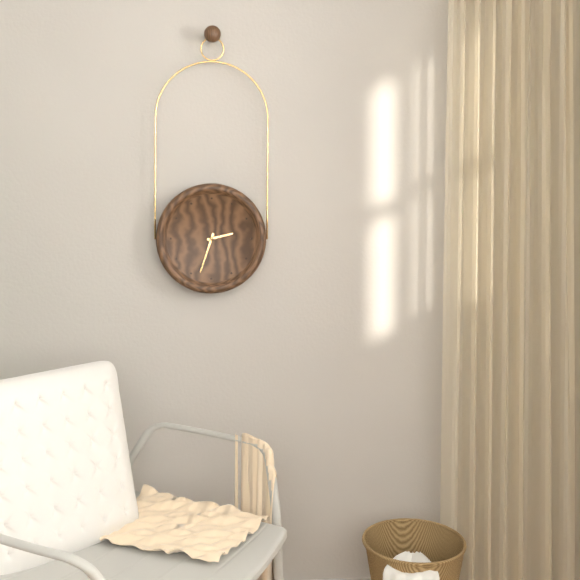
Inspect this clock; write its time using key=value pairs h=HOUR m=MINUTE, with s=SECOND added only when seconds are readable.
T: h=2 m=33
